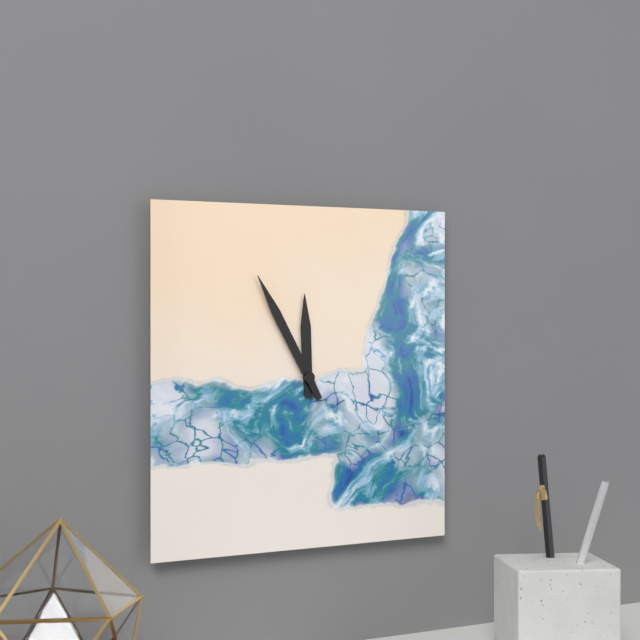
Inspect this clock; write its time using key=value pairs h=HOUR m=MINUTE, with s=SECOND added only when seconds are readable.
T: h=11 m=55
